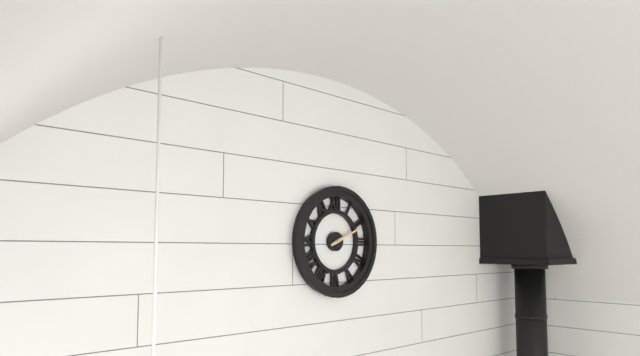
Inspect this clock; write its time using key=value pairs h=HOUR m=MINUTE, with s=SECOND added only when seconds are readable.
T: h=2 m=11
